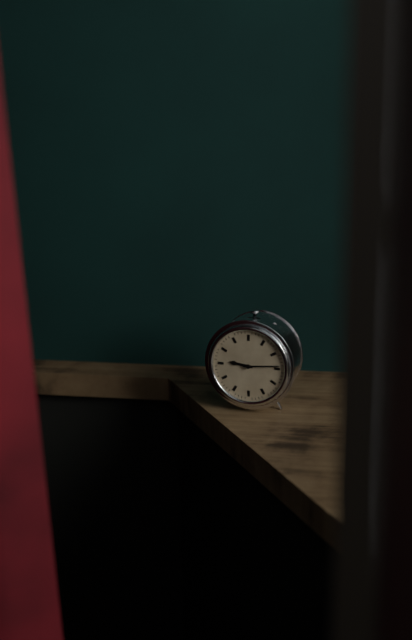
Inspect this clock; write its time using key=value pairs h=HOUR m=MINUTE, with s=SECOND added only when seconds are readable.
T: h=9 m=14
